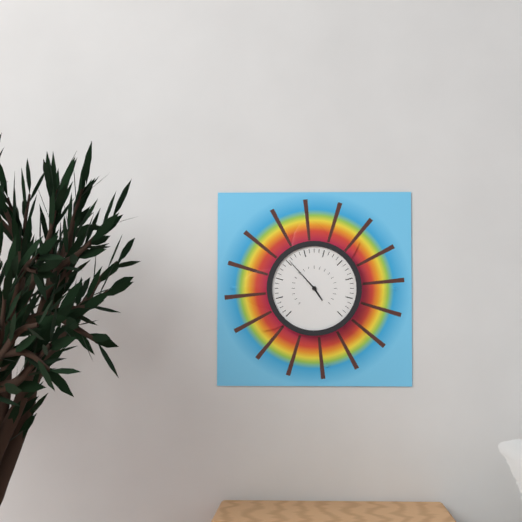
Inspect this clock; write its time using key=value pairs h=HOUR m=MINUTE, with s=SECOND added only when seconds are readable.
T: h=4 m=53
